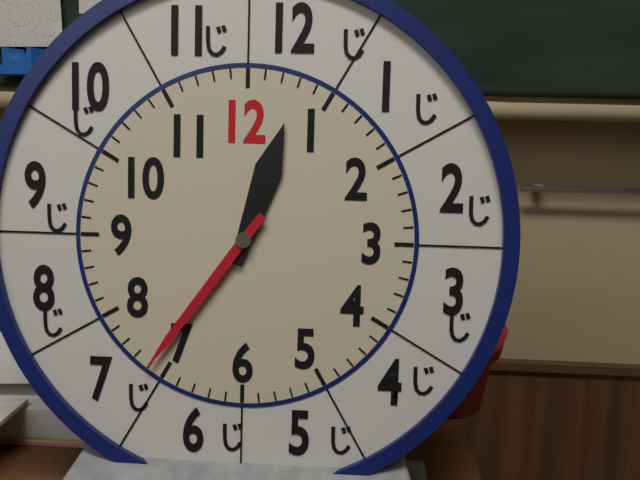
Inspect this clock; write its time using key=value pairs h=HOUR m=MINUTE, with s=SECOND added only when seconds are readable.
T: h=12 m=36
